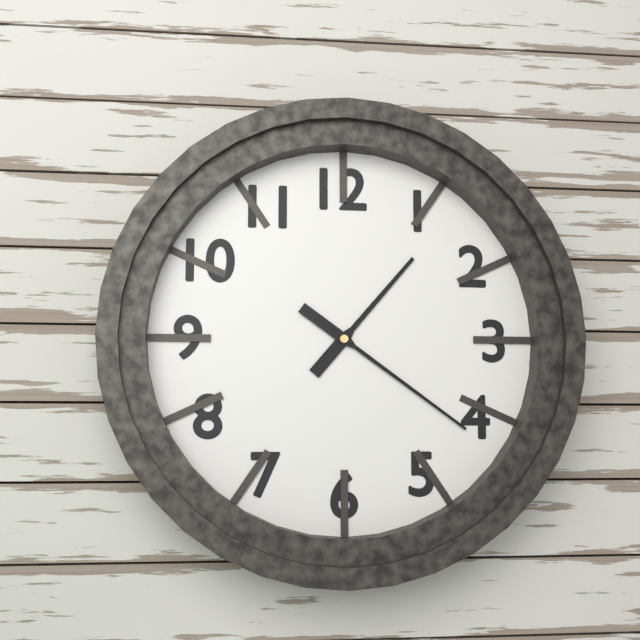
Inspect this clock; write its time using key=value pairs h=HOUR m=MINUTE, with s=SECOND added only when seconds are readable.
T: h=1 m=21
